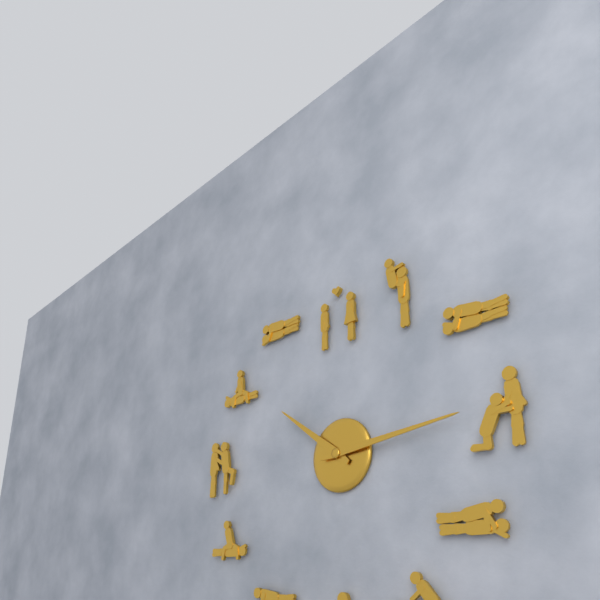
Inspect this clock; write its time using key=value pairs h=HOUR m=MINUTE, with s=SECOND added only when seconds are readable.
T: h=10 m=14
